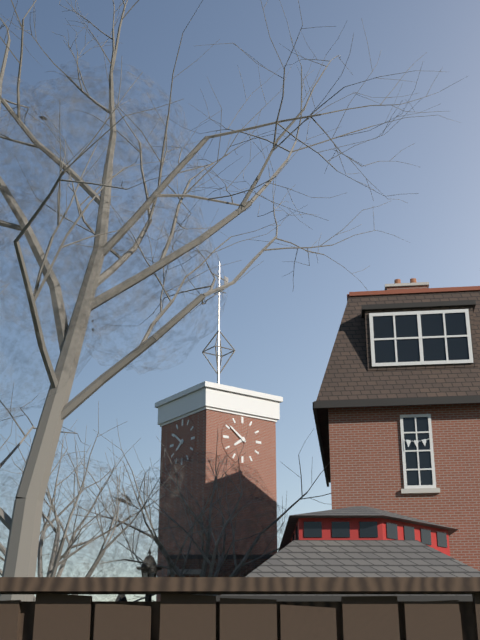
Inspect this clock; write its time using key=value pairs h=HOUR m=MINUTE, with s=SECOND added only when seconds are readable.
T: h=7 m=51
